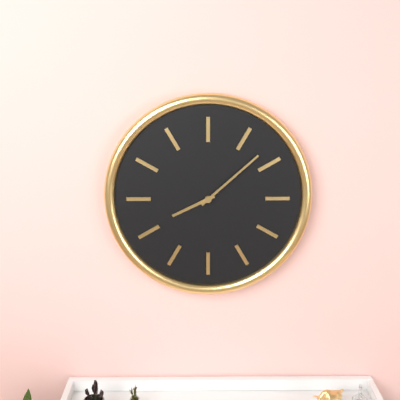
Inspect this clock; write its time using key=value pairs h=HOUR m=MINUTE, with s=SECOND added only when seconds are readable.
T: h=8 m=8
